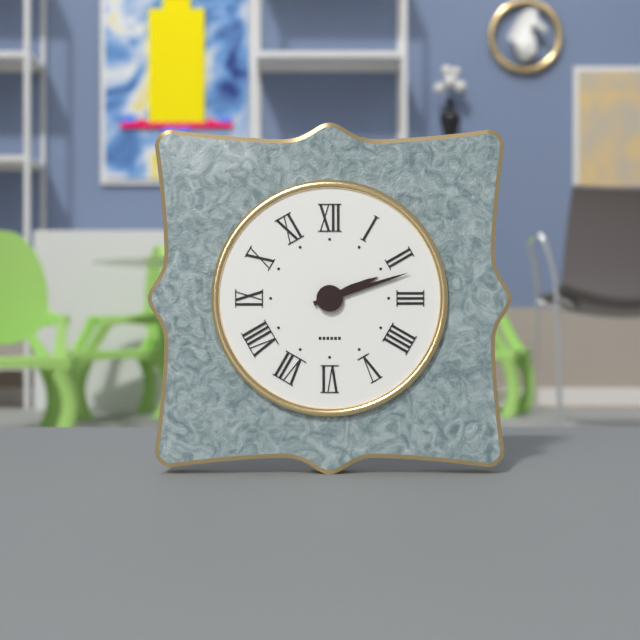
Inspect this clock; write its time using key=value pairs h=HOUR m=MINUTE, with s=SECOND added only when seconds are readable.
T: h=2 m=12
